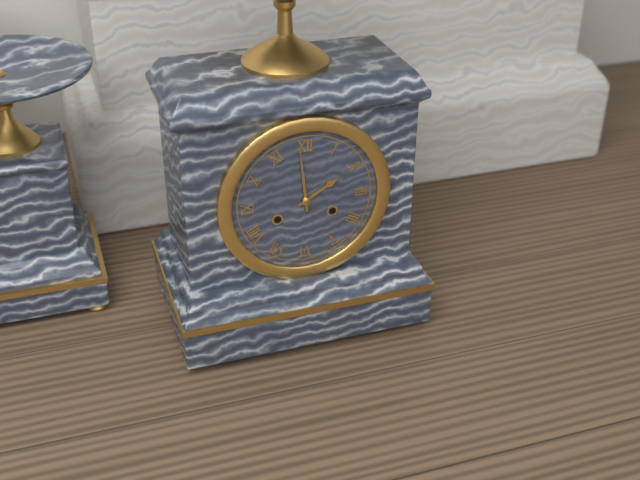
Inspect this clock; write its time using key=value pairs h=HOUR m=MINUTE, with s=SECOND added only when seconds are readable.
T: h=1 m=59
